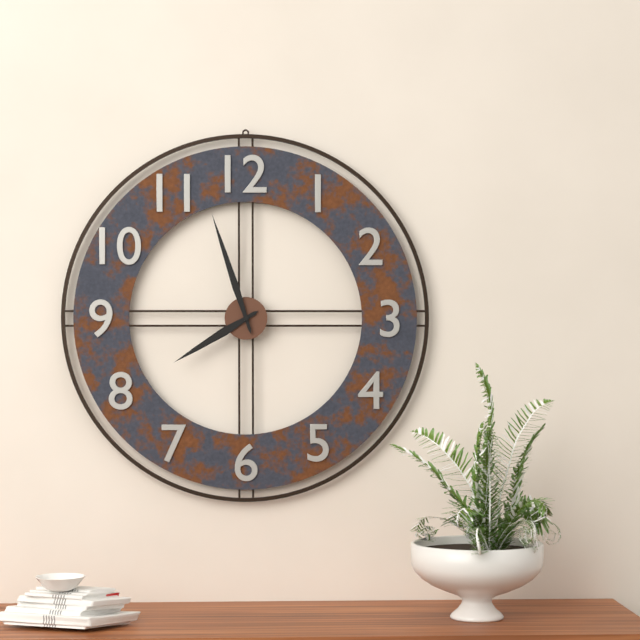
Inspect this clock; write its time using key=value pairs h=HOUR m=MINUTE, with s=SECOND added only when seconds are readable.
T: h=7 m=57
